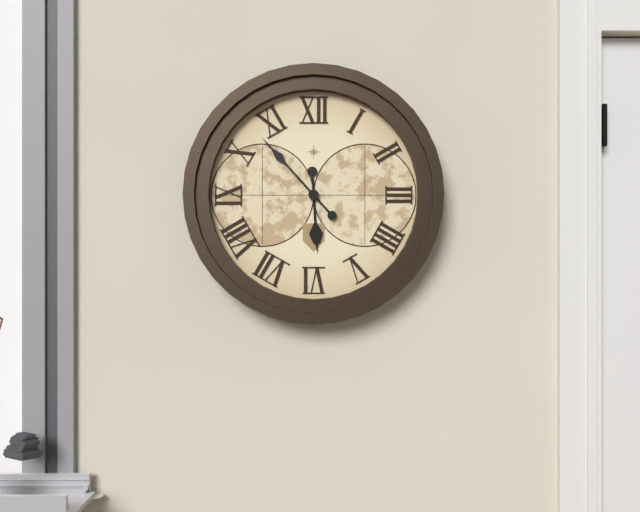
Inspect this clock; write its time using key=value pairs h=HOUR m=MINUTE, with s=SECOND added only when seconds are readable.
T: h=5 m=53
